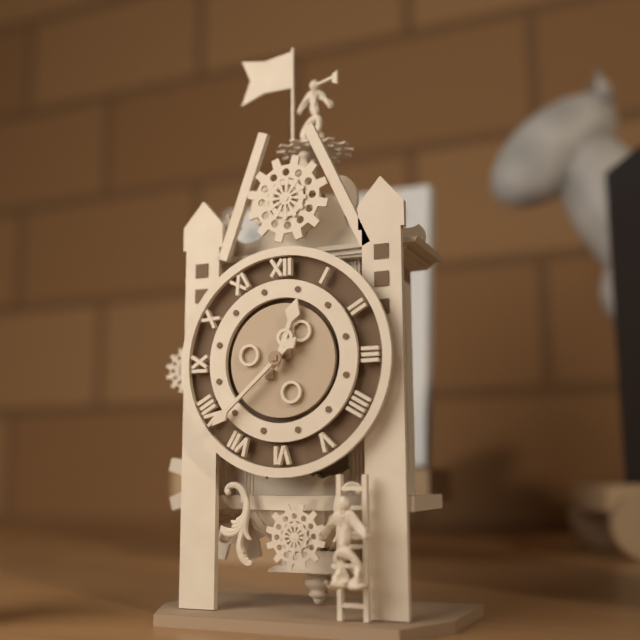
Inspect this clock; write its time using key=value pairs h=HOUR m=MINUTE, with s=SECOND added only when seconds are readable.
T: h=12 m=38
